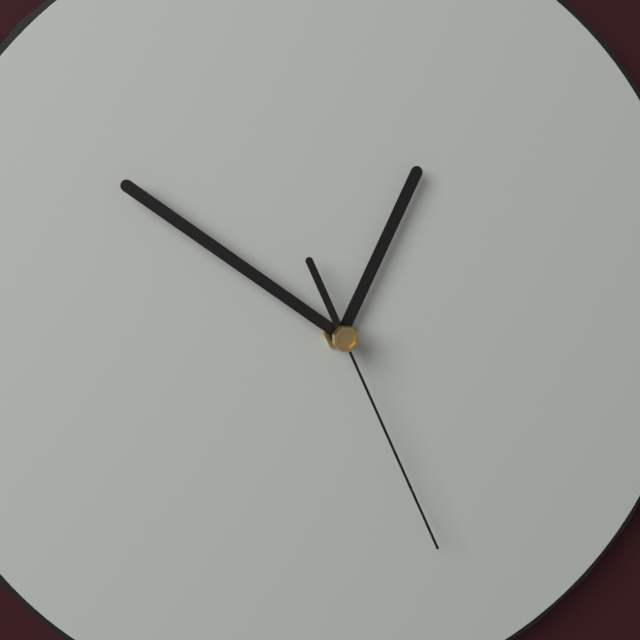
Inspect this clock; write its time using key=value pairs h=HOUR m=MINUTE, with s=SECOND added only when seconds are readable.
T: h=12 m=51 s=26
